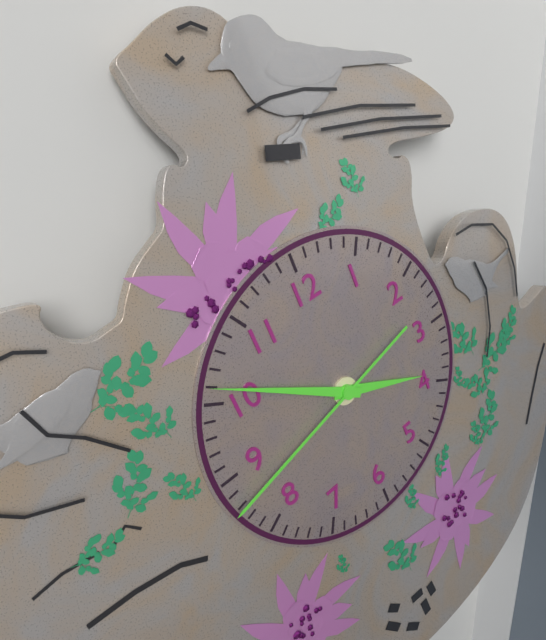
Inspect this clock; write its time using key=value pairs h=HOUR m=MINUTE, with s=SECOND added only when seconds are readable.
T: h=3 m=51 s=43
